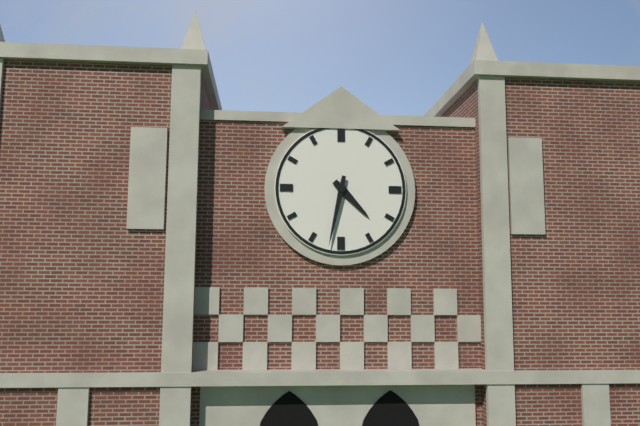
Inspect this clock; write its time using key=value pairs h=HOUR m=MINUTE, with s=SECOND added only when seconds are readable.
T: h=4 m=32
